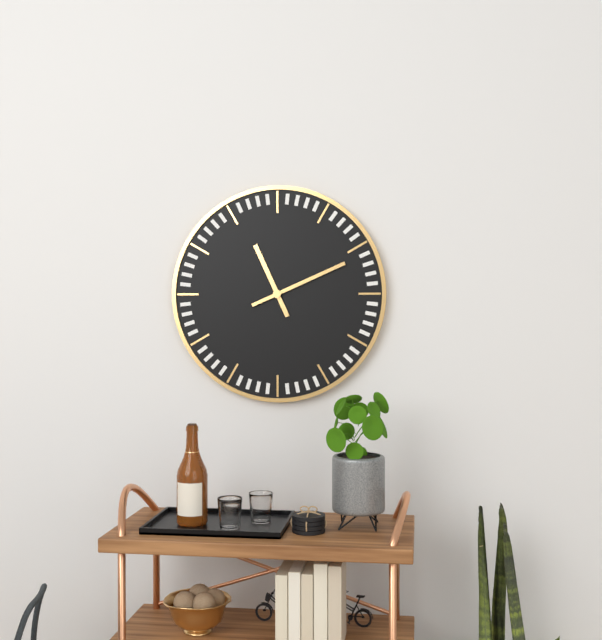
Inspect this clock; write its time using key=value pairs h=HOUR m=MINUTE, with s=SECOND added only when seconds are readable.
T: h=11 m=11
